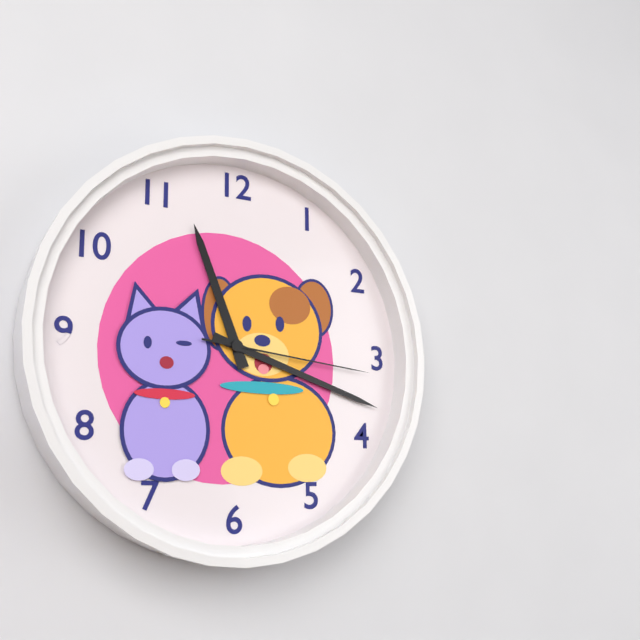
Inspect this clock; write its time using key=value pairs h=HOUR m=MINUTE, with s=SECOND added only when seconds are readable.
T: h=11 m=18 s=16
